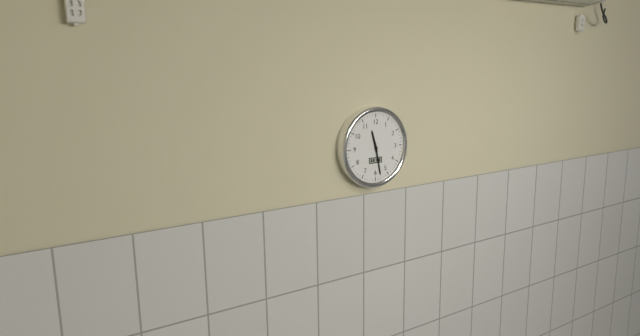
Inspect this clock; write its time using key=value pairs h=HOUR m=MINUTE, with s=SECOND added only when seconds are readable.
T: h=11 m=28
